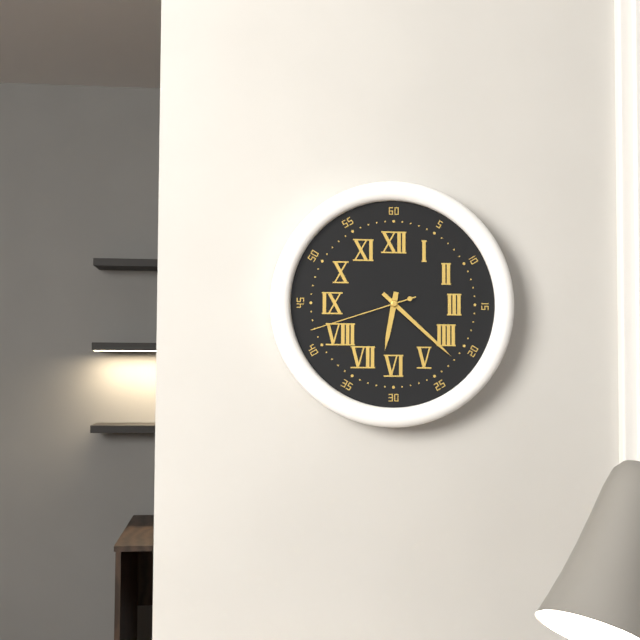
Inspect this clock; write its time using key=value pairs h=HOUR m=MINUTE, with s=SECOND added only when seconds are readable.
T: h=6 m=22 s=42
